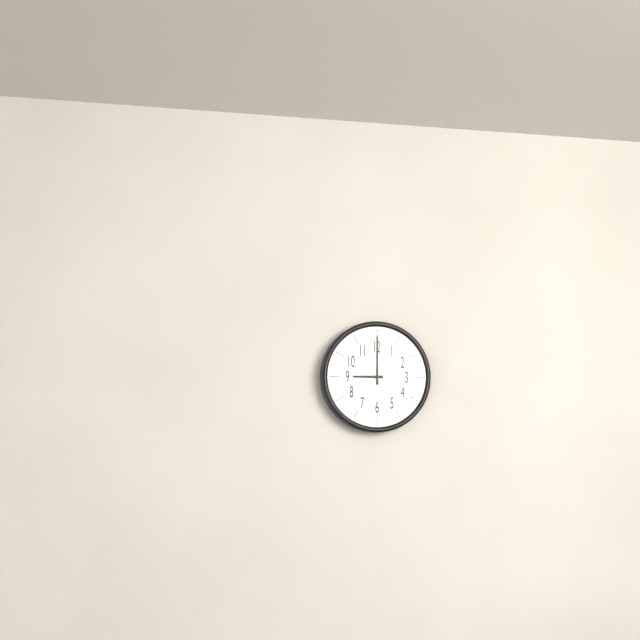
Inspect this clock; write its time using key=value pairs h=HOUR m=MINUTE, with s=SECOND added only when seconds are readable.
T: h=9 m=0
